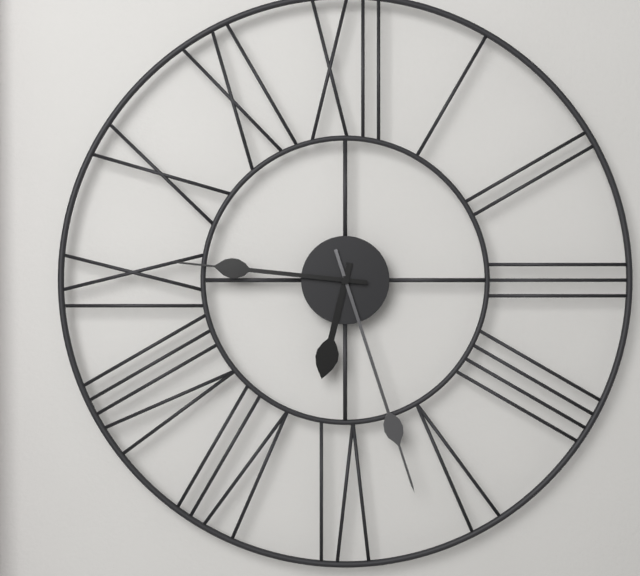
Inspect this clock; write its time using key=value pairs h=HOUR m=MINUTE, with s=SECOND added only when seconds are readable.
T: h=6 m=27 s=46
